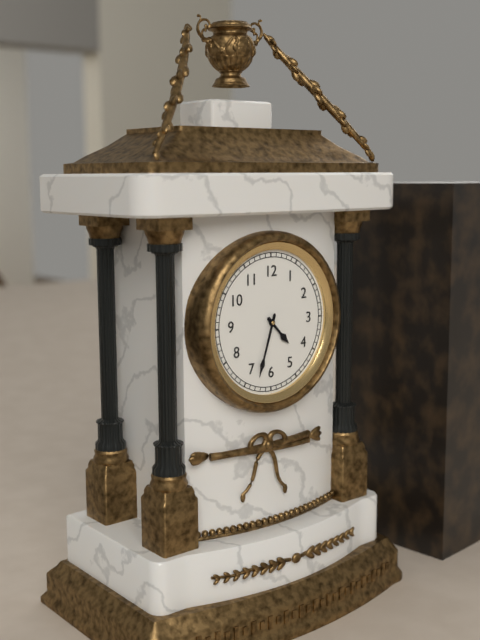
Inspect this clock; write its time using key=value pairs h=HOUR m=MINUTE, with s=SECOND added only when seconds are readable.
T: h=4 m=33
